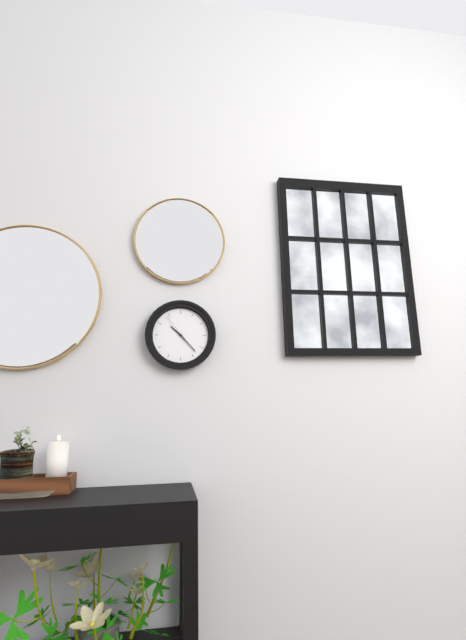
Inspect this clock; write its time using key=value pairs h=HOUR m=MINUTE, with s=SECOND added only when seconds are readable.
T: h=10 m=23
